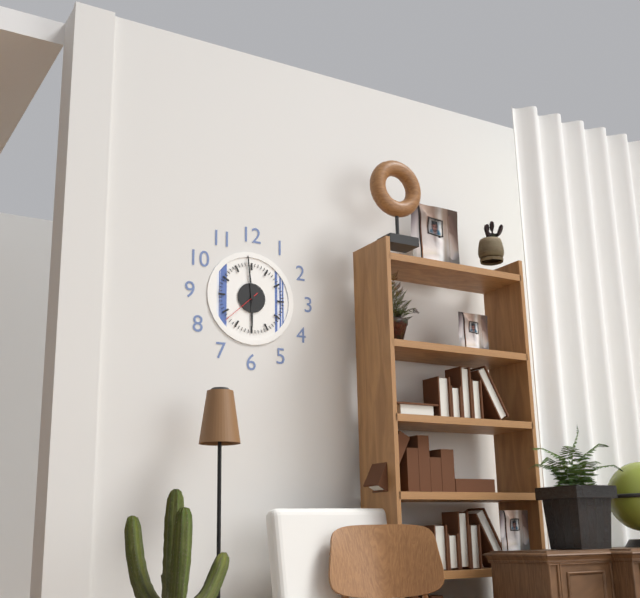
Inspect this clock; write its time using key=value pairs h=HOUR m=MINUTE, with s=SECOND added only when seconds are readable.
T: h=5 m=59
